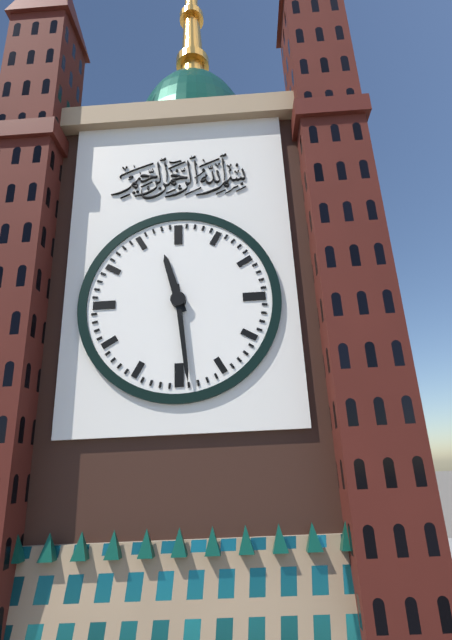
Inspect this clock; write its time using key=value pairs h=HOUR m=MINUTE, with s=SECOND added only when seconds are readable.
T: h=11 m=29
